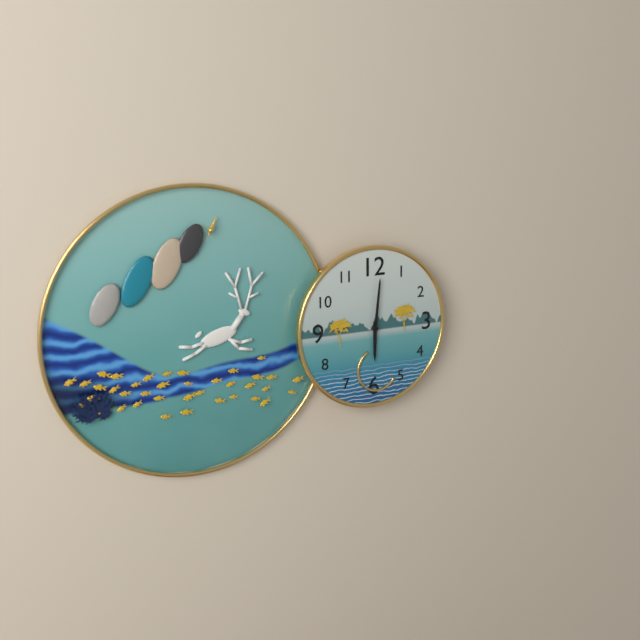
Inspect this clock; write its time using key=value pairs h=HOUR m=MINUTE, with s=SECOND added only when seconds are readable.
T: h=6 m=1
